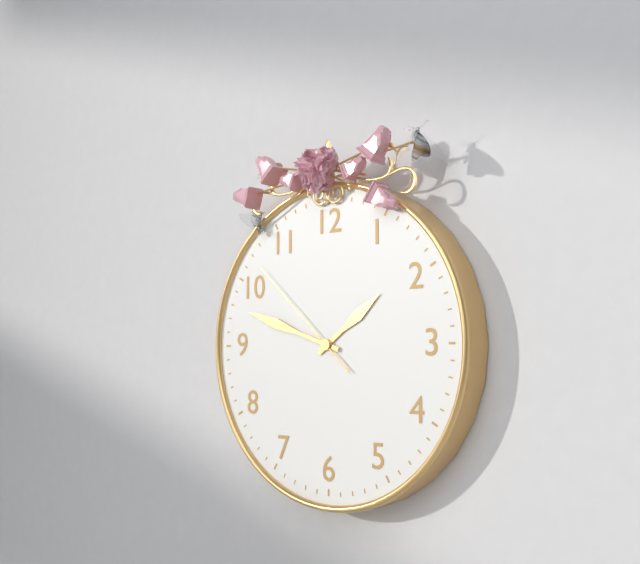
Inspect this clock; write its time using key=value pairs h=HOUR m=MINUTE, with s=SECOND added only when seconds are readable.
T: h=1 m=48 s=52
